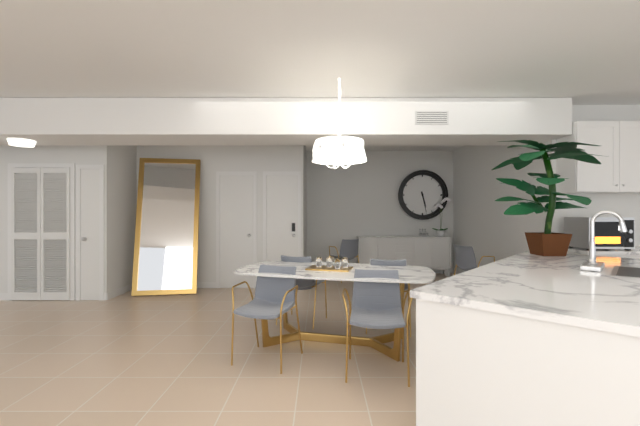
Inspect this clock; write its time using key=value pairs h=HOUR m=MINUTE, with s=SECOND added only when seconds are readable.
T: h=5 m=28
